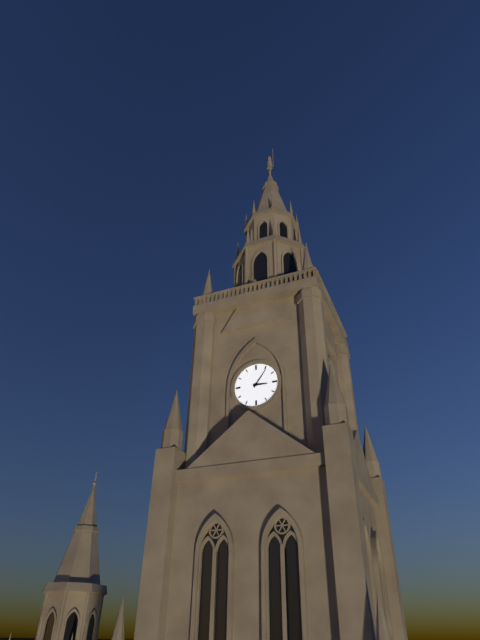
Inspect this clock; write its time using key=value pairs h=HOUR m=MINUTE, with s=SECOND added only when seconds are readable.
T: h=3 m=6
